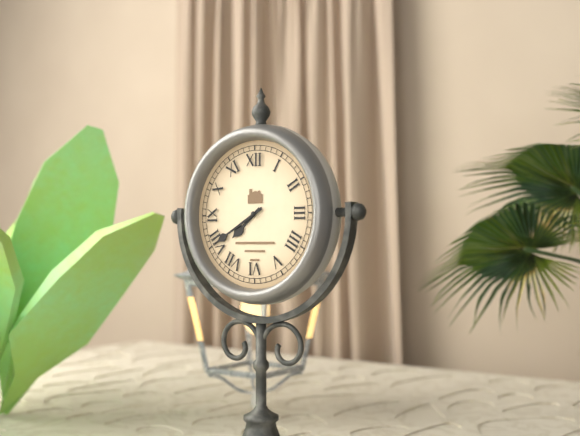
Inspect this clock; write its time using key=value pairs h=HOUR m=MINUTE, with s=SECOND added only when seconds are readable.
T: h=7 m=40
